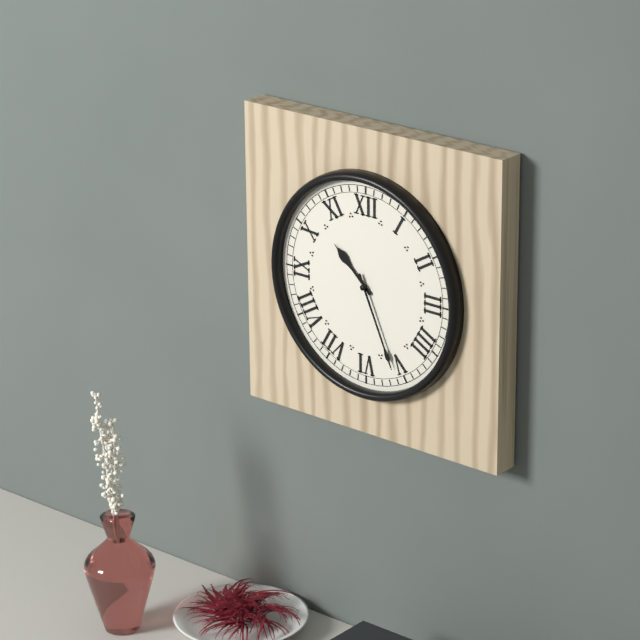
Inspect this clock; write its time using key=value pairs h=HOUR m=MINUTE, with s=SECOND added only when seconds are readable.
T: h=10 m=26
